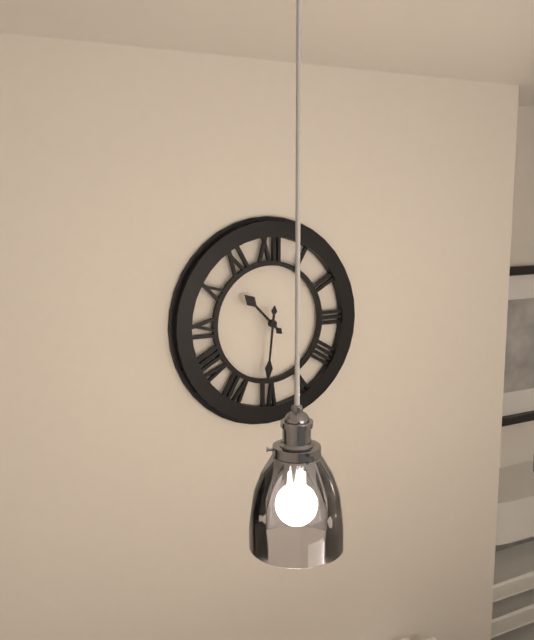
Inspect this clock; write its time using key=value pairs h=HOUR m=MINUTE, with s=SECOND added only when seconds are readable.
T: h=10 m=31
